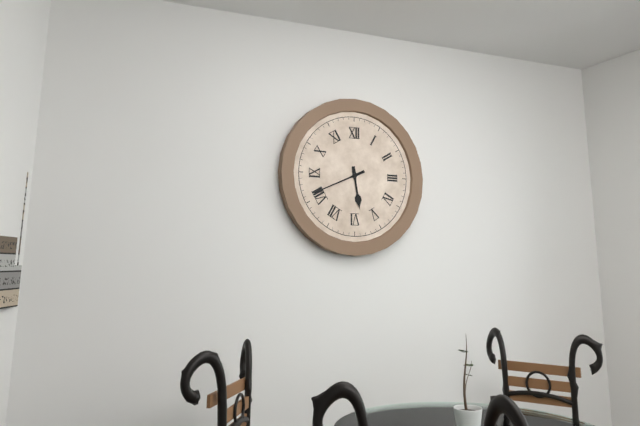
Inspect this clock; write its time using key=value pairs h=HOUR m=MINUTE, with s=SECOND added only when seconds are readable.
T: h=5 m=41
